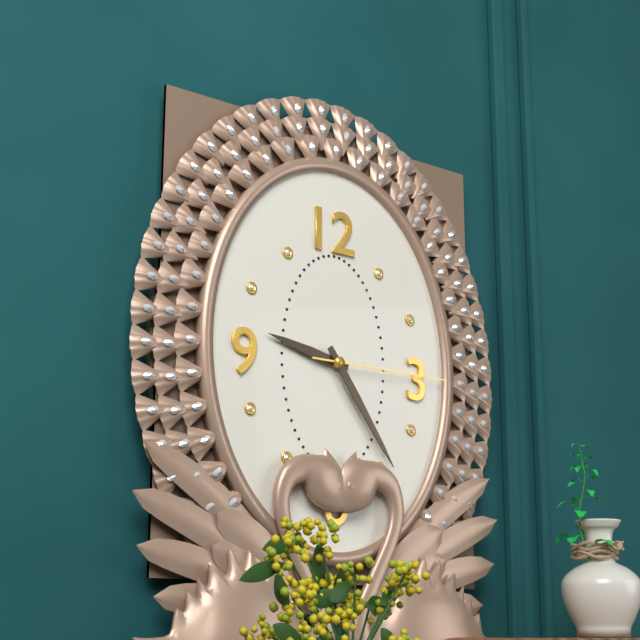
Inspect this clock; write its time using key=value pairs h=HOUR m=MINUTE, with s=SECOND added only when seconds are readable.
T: h=9 m=24 s=15
